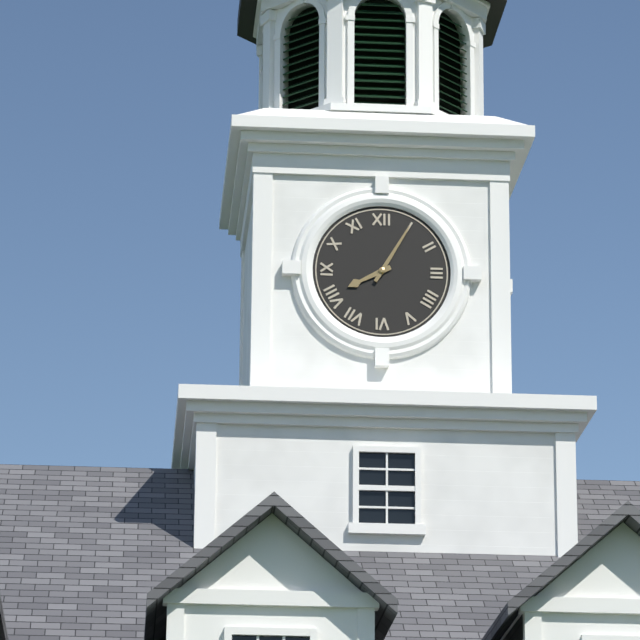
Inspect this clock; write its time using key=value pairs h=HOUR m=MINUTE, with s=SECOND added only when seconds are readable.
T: h=8 m=5
